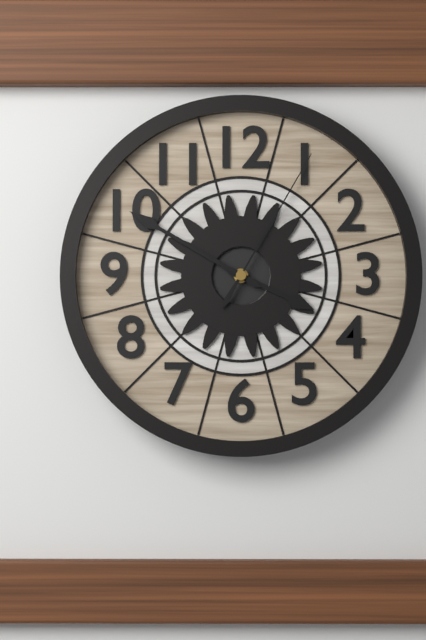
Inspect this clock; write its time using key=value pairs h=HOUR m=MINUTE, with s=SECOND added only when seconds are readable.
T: h=3 m=50 s=5
